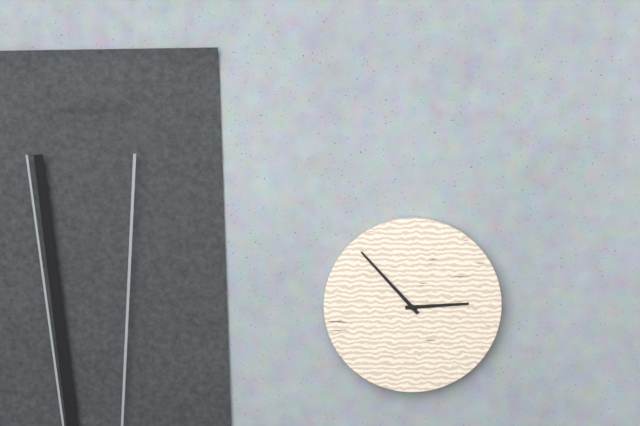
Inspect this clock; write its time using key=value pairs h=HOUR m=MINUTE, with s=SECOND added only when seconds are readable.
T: h=2 m=53
